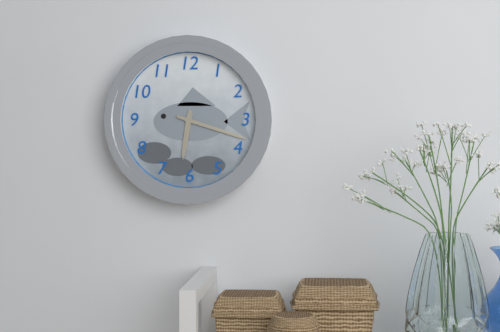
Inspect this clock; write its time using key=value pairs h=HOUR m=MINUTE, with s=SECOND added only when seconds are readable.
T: h=6 m=18
